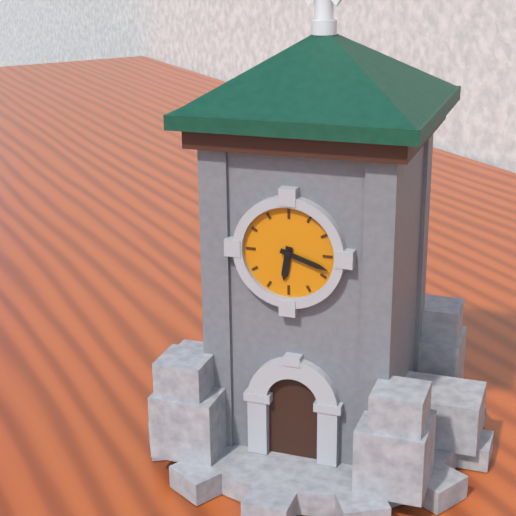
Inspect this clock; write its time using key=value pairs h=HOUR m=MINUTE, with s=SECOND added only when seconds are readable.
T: h=6 m=18
